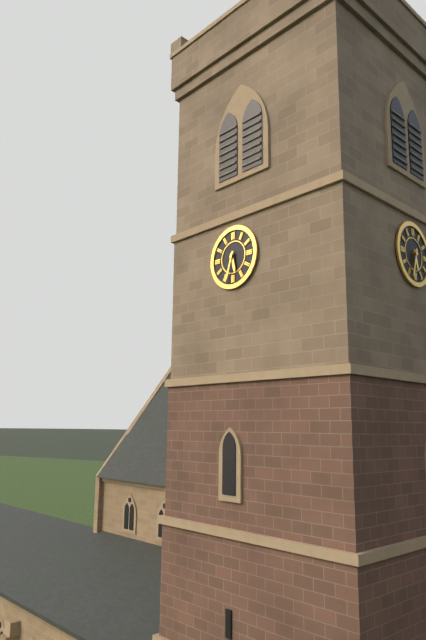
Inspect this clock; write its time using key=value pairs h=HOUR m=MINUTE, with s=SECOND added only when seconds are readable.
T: h=5 m=33
